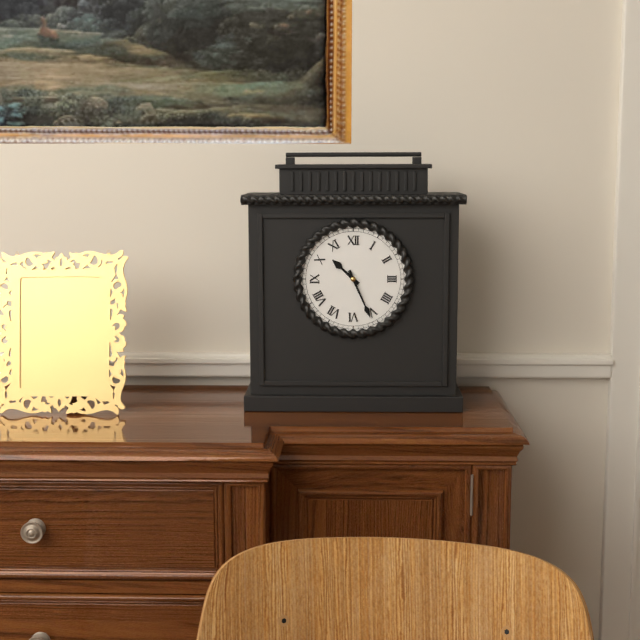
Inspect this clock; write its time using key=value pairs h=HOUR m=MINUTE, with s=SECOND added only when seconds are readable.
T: h=10 m=26
